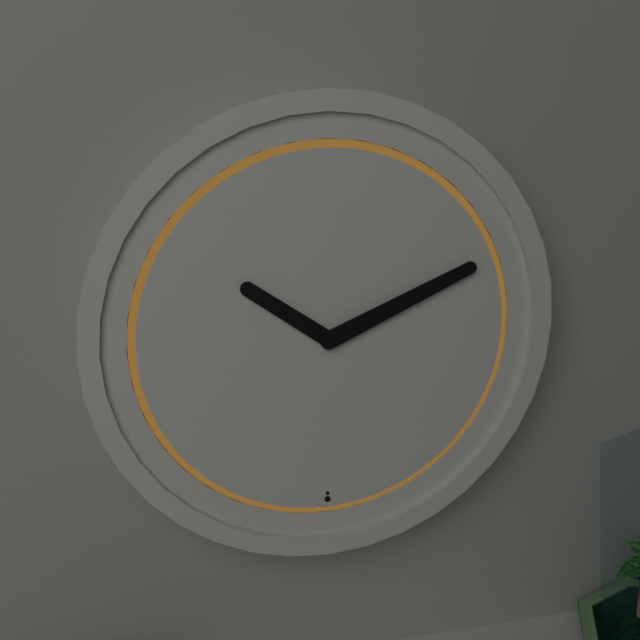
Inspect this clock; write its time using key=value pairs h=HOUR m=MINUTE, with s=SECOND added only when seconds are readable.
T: h=10 m=11
